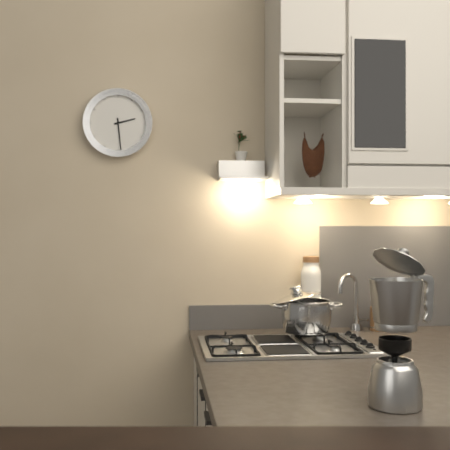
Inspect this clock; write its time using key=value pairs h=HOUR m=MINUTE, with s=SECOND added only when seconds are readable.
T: h=2 m=29
